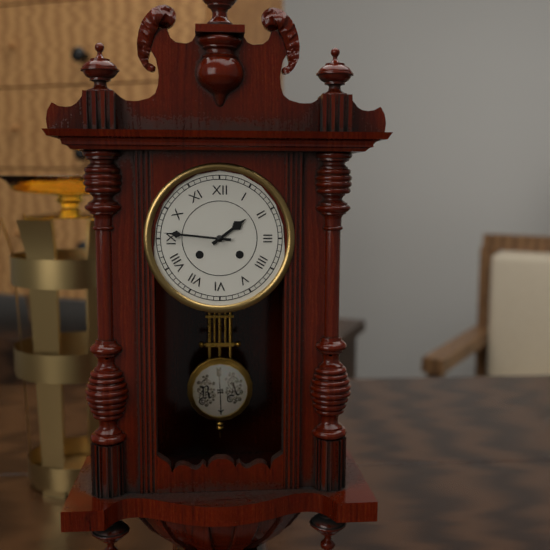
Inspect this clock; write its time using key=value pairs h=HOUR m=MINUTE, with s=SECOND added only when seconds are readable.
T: h=1 m=46
